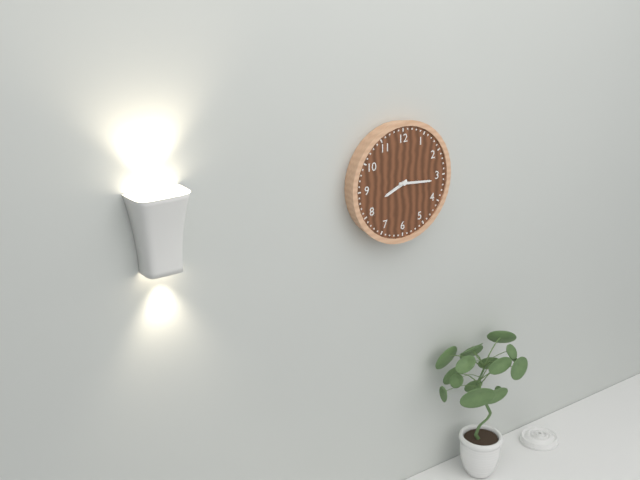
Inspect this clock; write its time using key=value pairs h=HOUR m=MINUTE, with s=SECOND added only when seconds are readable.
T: h=8 m=16
